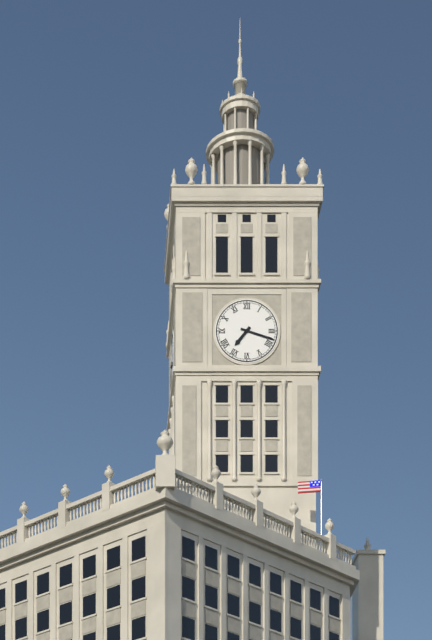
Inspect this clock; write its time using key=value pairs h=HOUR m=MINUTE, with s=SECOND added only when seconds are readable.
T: h=7 m=18
